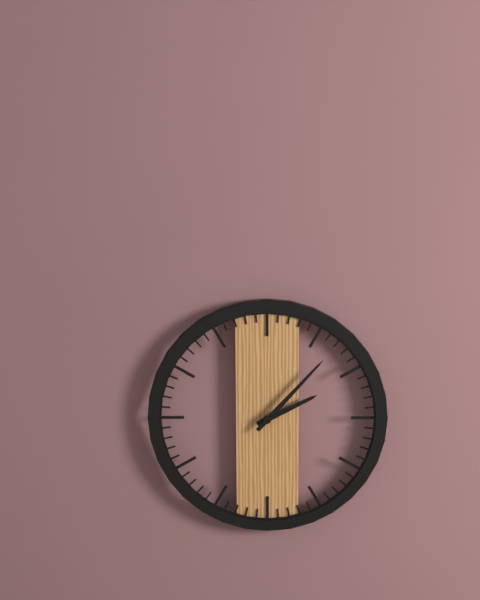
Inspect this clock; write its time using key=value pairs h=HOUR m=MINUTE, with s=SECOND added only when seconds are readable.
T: h=2 m=7
